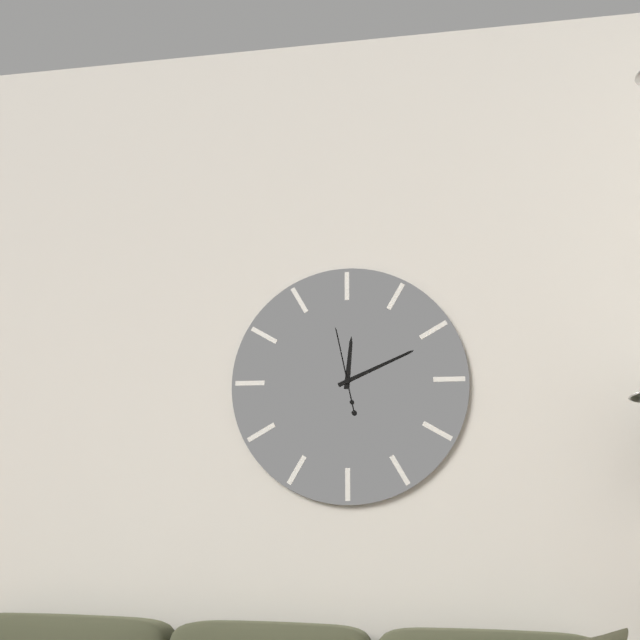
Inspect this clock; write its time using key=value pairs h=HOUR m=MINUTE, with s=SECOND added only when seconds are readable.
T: h=12 m=11 s=58
